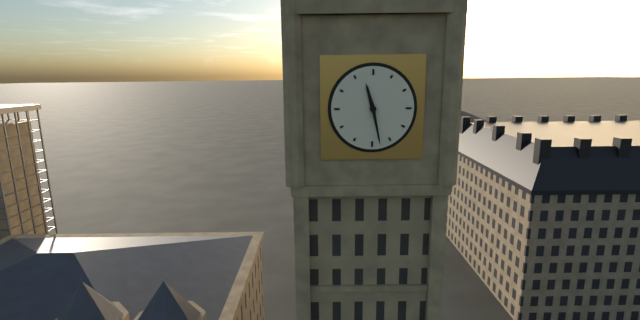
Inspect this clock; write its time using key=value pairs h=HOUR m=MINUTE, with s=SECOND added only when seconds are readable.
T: h=11 m=28
